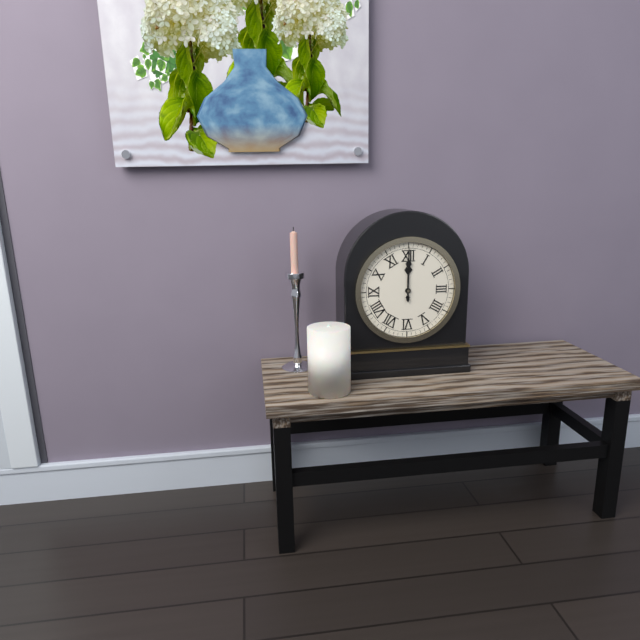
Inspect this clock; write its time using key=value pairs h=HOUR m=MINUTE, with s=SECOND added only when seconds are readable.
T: h=12 m=0
